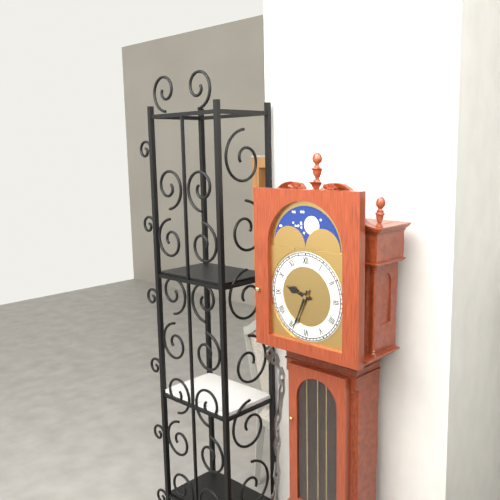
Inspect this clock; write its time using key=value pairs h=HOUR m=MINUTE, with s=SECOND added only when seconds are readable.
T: h=9 m=34
